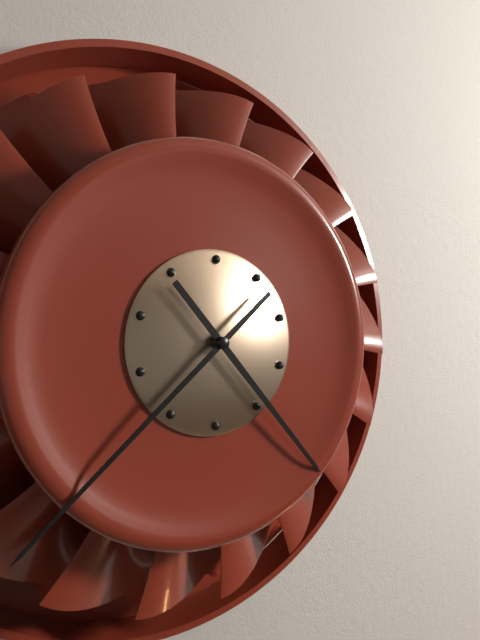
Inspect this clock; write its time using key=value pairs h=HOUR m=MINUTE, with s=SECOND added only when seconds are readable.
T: h=4 m=38
